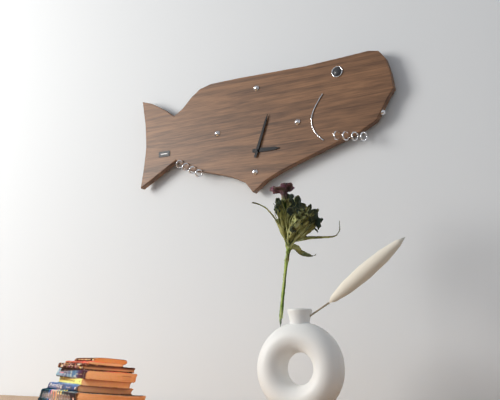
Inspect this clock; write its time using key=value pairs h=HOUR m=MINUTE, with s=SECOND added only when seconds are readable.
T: h=3 m=3
